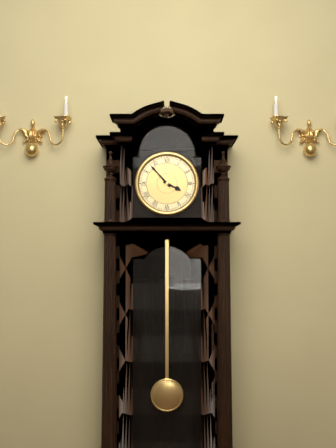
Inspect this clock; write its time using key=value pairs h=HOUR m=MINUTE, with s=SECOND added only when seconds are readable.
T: h=3 m=53
